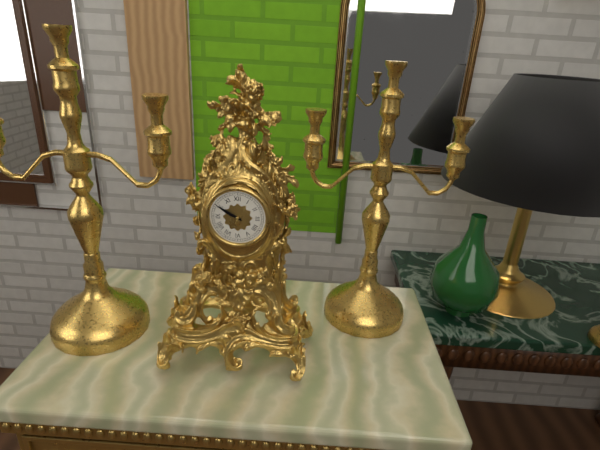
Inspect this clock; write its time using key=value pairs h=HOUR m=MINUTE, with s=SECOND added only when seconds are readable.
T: h=9 m=50
